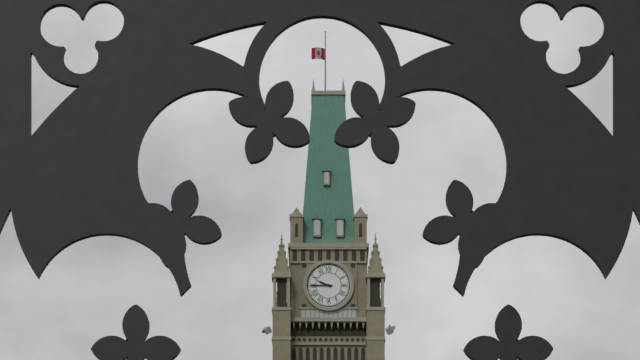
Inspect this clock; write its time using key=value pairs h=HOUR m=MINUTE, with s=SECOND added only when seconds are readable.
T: h=9 m=45
